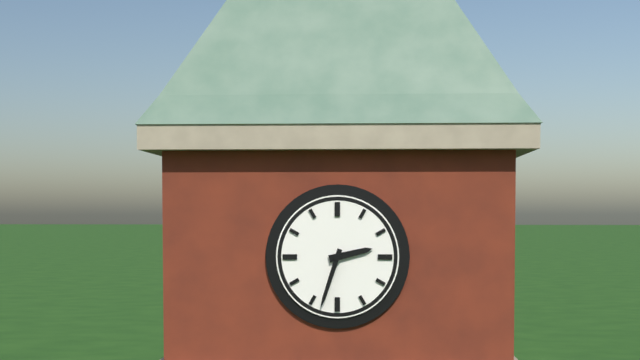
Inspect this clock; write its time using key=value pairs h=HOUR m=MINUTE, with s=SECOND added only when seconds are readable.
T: h=2 m=33
